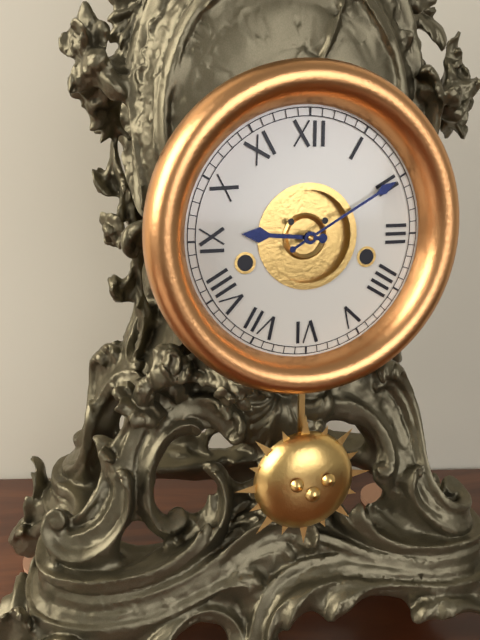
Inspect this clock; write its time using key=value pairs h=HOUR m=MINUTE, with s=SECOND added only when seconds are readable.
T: h=9 m=10
